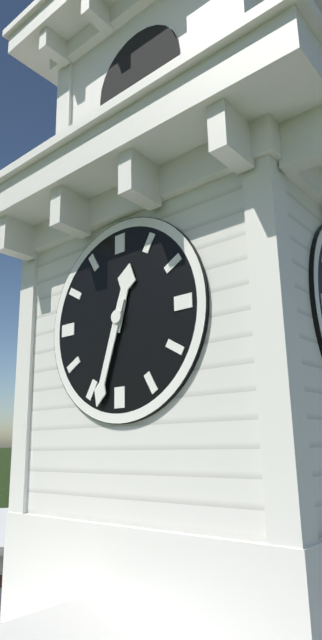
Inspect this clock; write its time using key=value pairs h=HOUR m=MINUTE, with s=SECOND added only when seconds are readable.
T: h=12 m=33
